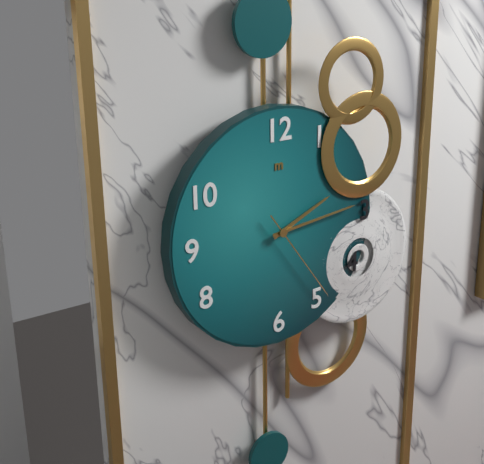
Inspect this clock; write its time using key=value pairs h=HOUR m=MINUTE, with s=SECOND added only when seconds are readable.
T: h=2 m=14 s=24
